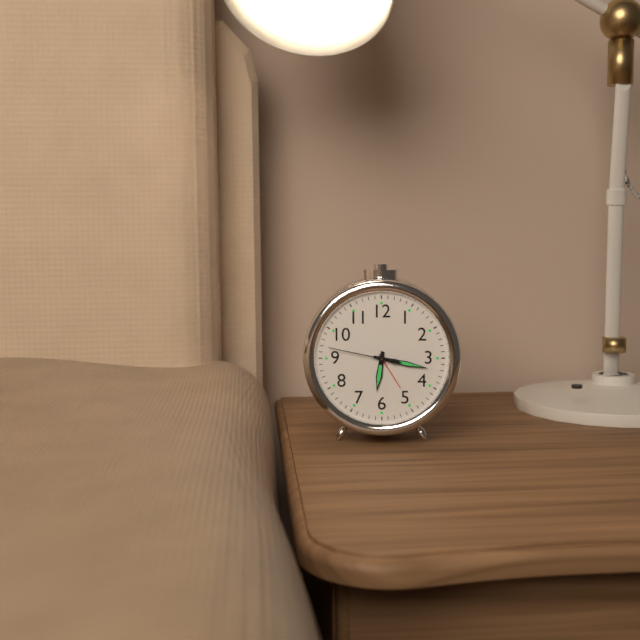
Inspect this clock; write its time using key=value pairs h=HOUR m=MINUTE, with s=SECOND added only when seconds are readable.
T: h=6 m=17 s=47
